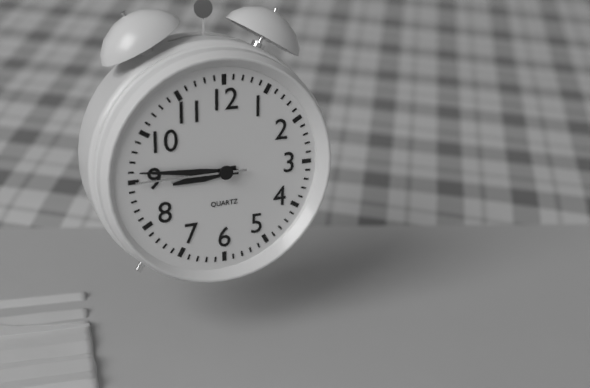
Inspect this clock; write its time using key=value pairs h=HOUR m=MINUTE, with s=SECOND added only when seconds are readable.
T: h=8 m=46 s=45
